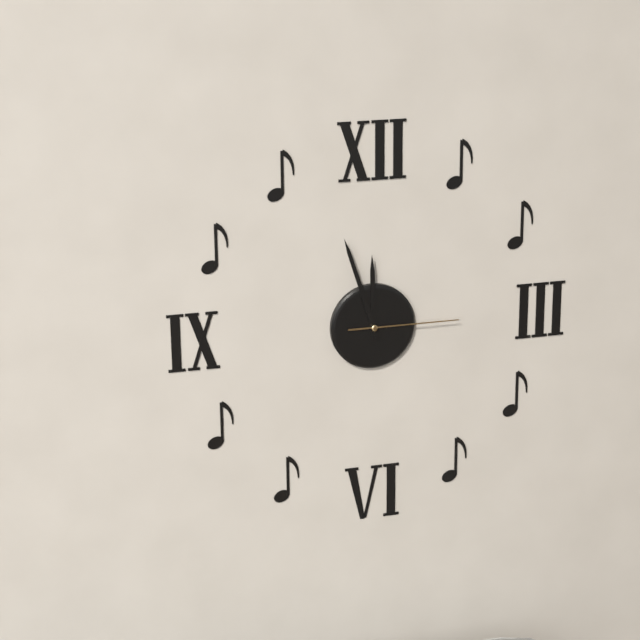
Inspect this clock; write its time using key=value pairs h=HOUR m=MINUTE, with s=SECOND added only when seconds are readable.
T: h=11 m=57 s=15
